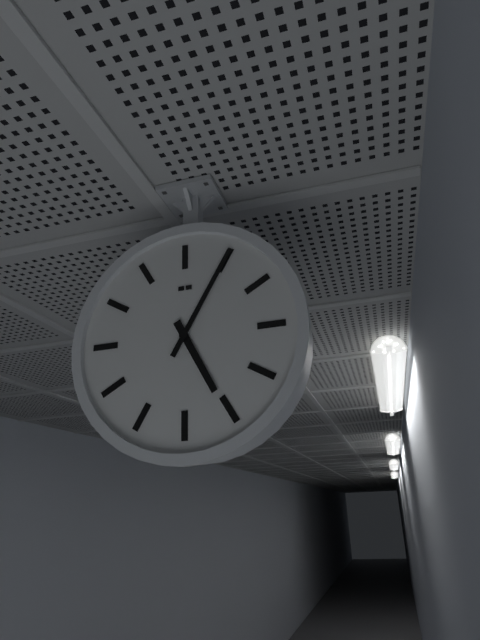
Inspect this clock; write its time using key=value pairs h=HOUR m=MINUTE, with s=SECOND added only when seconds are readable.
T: h=5 m=5
